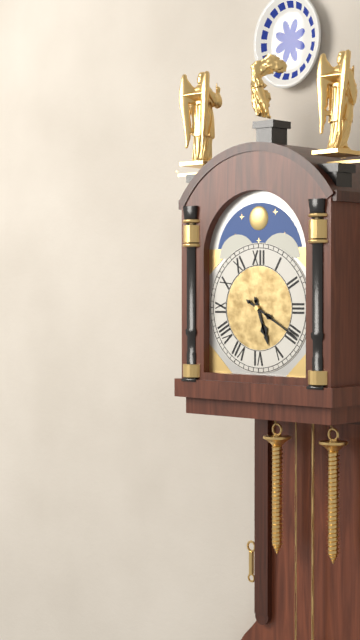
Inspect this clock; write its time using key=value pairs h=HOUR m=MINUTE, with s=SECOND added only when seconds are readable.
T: h=5 m=20
